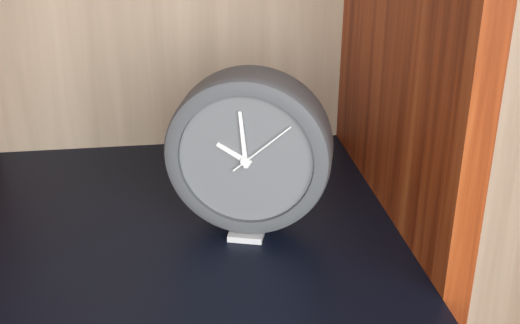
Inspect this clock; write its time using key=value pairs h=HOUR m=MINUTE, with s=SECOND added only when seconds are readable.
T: h=9 m=59 s=8
